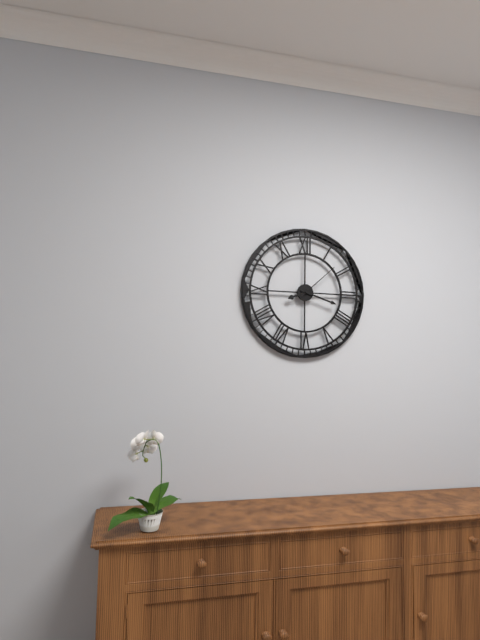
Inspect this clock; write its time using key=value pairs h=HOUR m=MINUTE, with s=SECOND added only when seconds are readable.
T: h=8 m=18 s=8
